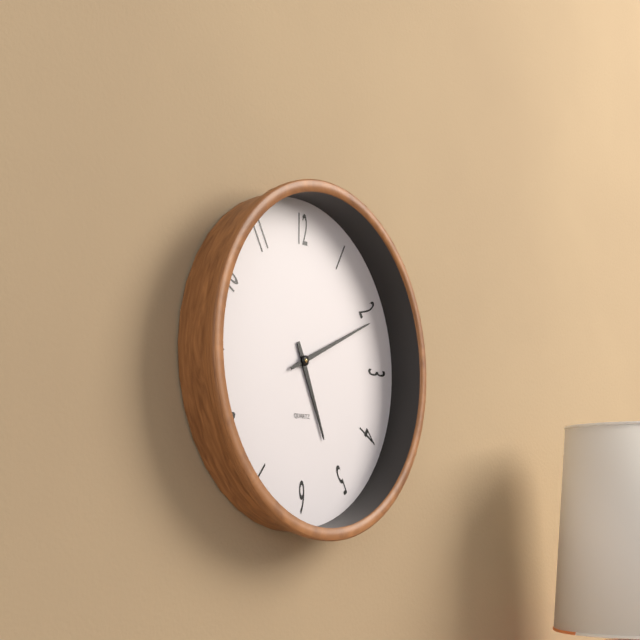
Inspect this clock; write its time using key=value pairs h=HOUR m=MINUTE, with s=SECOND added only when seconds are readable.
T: h=5 m=11
